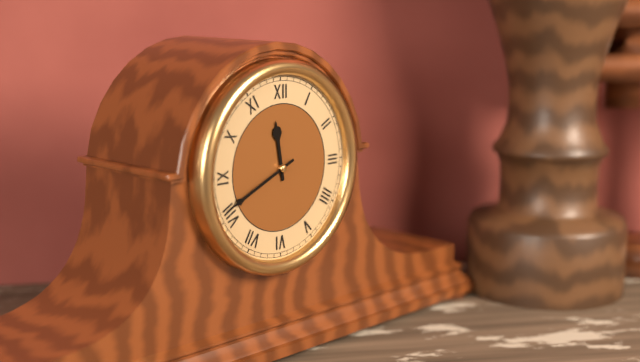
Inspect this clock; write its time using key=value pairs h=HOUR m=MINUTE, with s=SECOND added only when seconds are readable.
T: h=11 m=41
